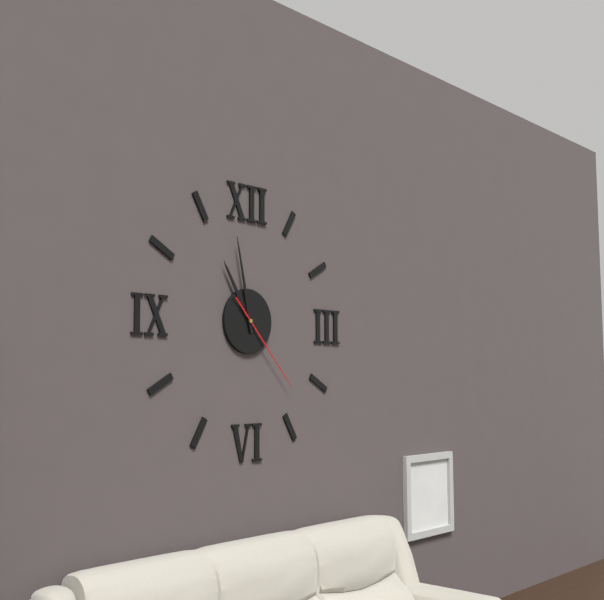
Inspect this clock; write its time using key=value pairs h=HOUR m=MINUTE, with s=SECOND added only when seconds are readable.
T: h=10 m=58 s=23
